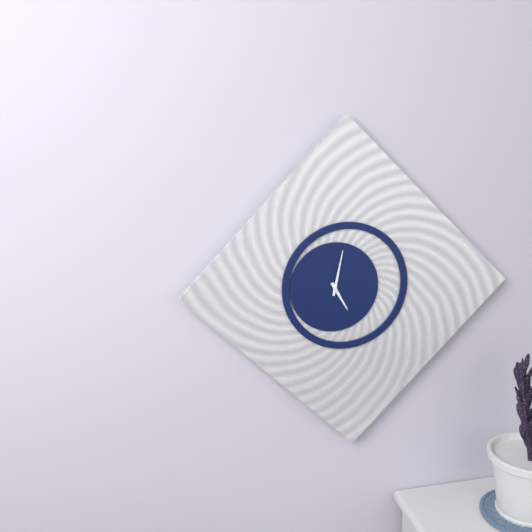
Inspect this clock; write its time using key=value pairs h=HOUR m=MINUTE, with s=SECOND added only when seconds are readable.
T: h=5 m=2
